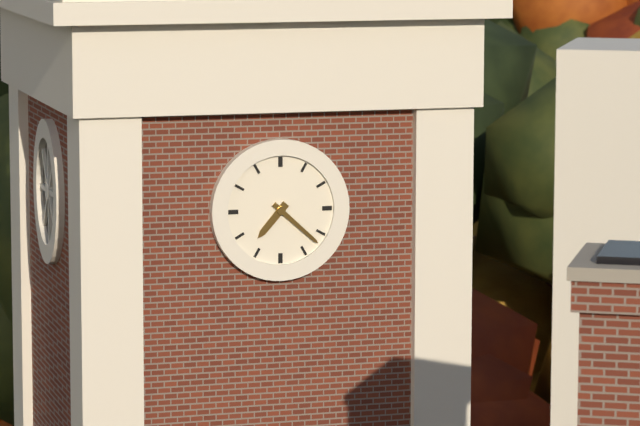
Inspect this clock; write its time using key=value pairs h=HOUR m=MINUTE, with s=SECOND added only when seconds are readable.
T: h=7 m=22
